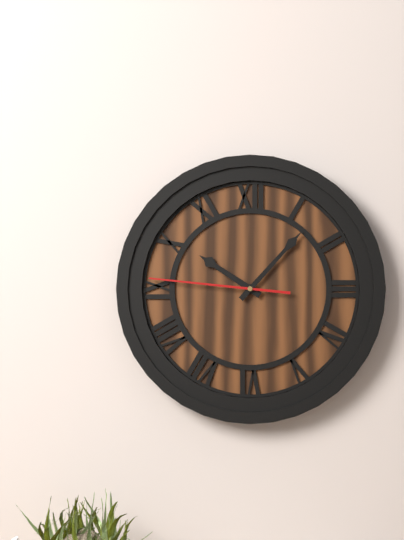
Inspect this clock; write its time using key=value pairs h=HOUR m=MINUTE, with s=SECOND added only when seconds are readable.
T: h=10 m=7 s=46
